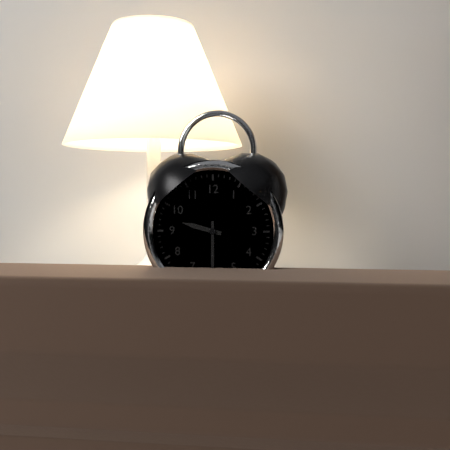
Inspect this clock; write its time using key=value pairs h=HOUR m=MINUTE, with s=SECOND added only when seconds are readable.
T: h=9 m=30
